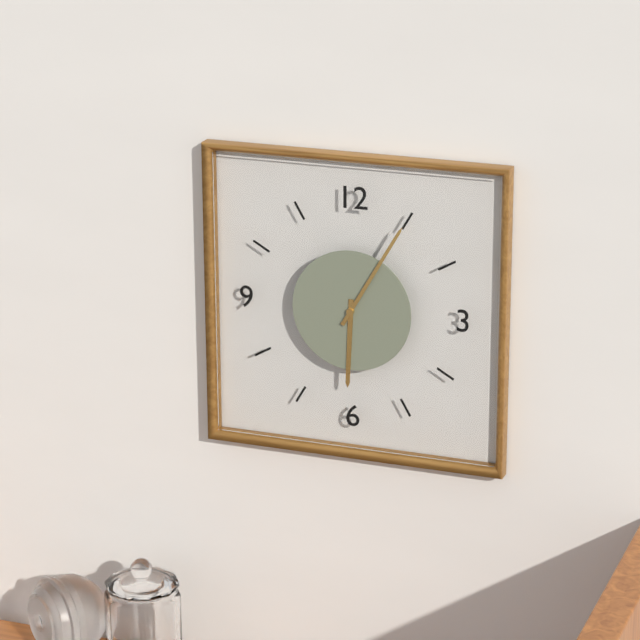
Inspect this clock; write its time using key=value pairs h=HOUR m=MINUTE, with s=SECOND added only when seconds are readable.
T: h=6 m=5
